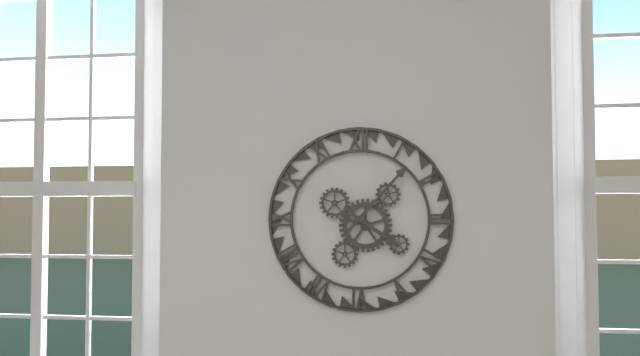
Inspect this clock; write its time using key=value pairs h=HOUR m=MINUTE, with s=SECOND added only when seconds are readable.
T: h=4 m=7
